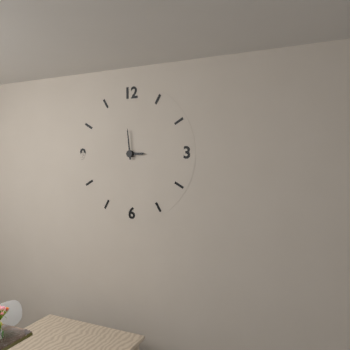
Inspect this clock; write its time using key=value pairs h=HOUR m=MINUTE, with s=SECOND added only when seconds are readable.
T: h=2 m=59
